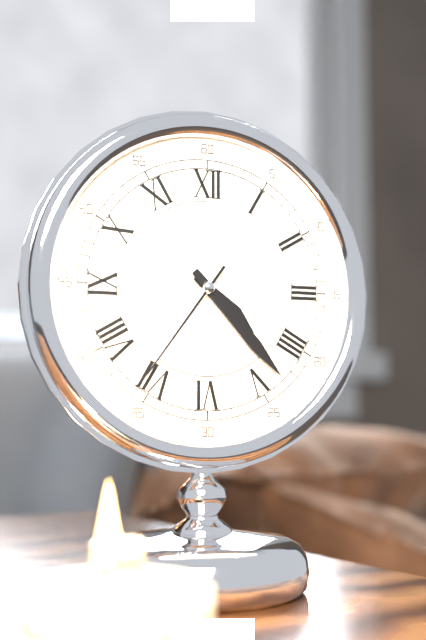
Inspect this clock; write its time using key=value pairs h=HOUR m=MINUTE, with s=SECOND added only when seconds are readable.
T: h=4 m=23 s=36
